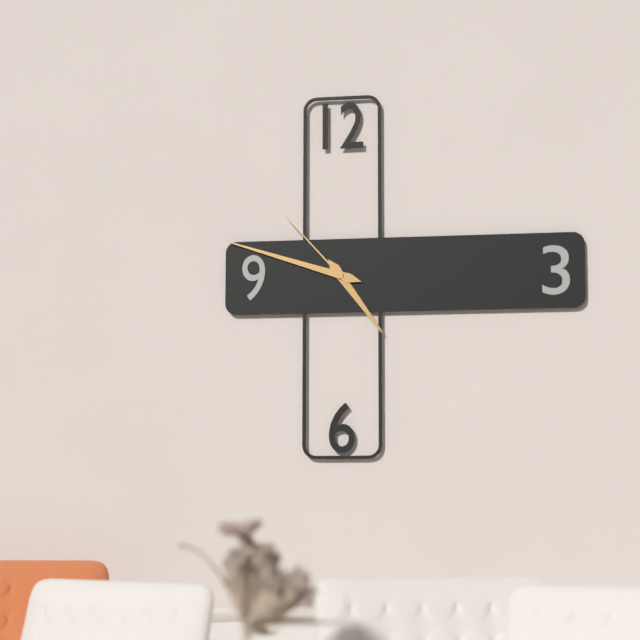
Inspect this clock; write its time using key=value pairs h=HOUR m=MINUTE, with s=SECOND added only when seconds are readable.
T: h=4 m=48 s=53
